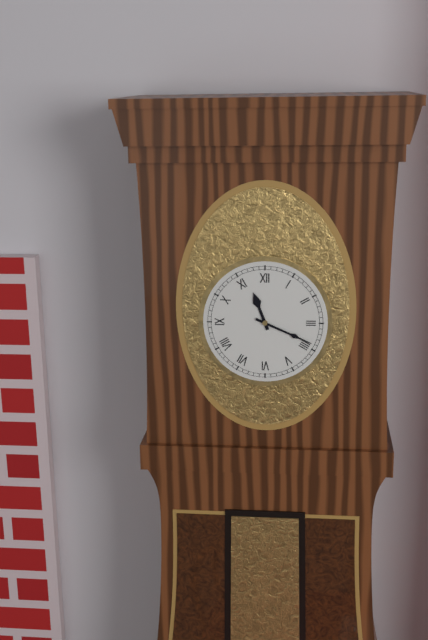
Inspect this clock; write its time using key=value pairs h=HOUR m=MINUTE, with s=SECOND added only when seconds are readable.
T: h=11 m=19
